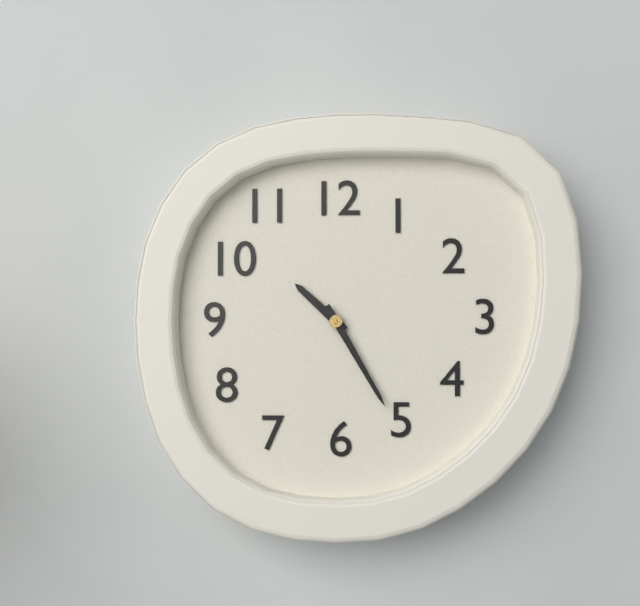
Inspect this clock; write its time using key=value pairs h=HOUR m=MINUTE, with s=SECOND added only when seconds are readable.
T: h=10 m=25
